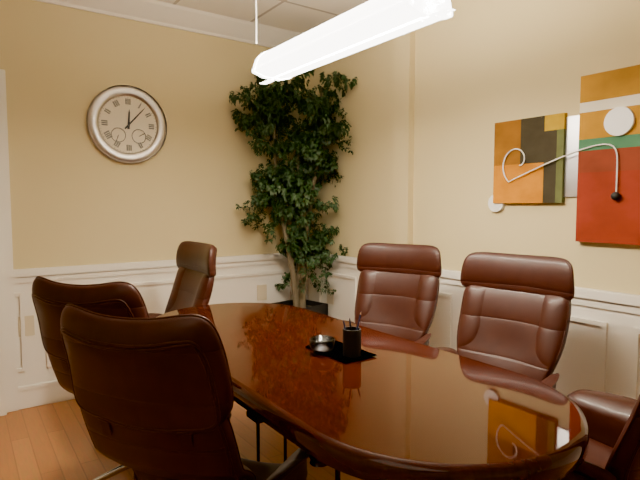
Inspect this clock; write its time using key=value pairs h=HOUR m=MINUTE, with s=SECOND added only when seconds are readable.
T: h=12 m=7
